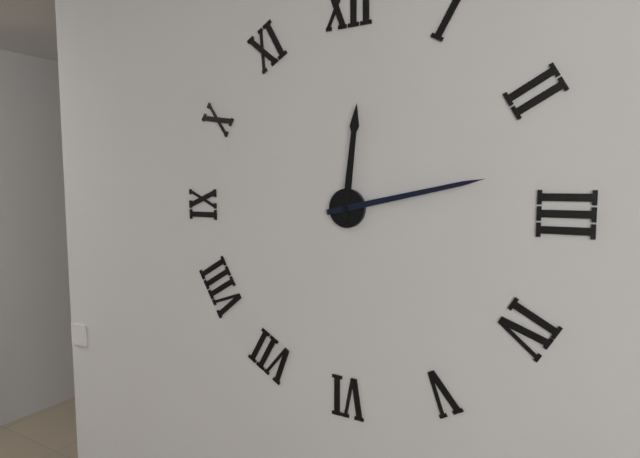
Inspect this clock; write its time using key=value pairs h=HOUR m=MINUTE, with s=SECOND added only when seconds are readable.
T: h=12 m=13
